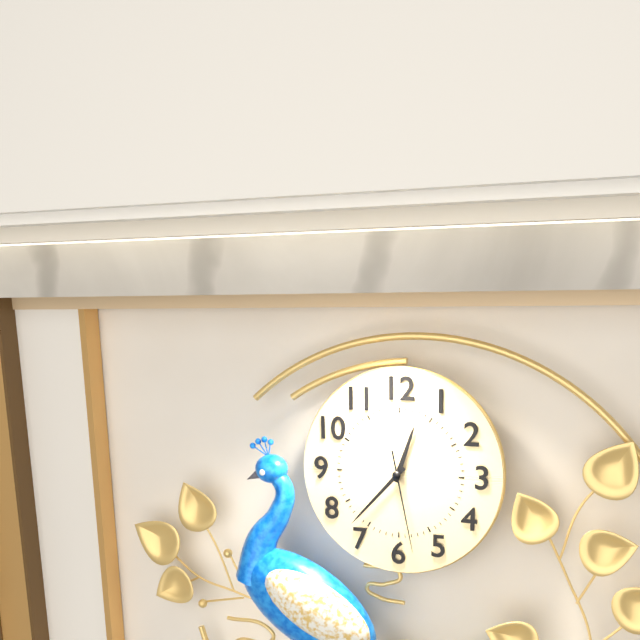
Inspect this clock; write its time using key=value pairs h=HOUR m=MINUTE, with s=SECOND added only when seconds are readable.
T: h=12 m=37 s=28
